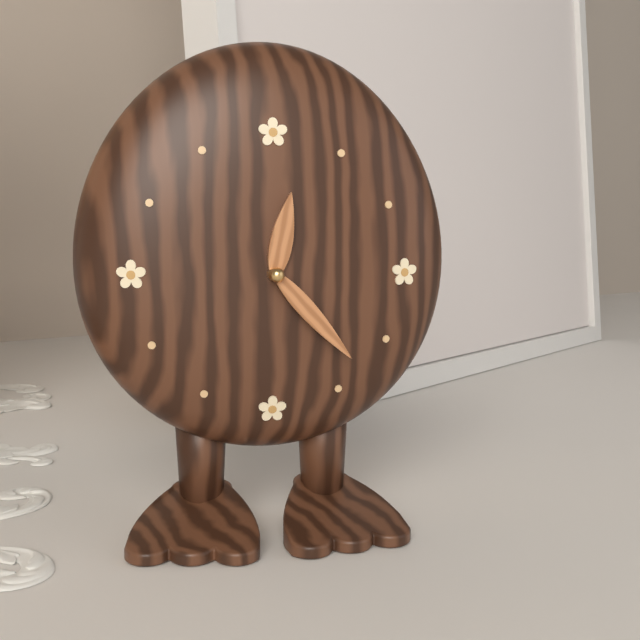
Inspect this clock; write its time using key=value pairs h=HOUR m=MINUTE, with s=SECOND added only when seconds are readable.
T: h=12 m=23
